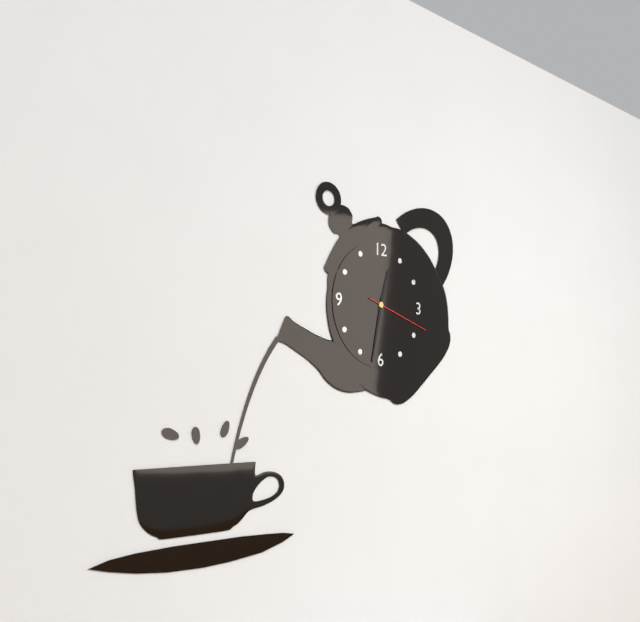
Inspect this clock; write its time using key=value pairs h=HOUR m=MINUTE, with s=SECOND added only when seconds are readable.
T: h=12 m=32 s=18
